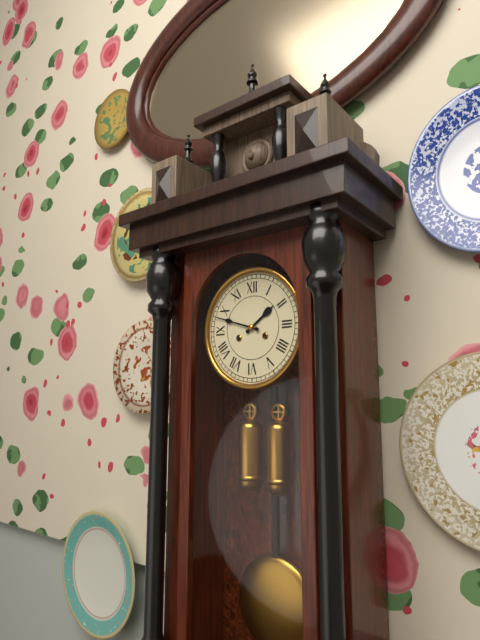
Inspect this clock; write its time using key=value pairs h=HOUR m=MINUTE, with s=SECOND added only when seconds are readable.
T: h=1 m=48
